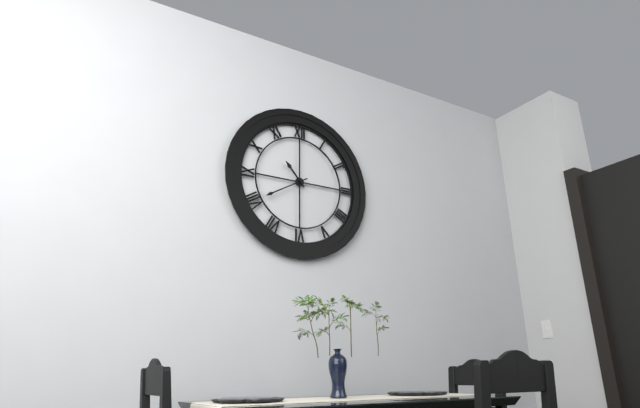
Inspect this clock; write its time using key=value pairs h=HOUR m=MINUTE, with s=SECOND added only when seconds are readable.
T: h=10 m=40
